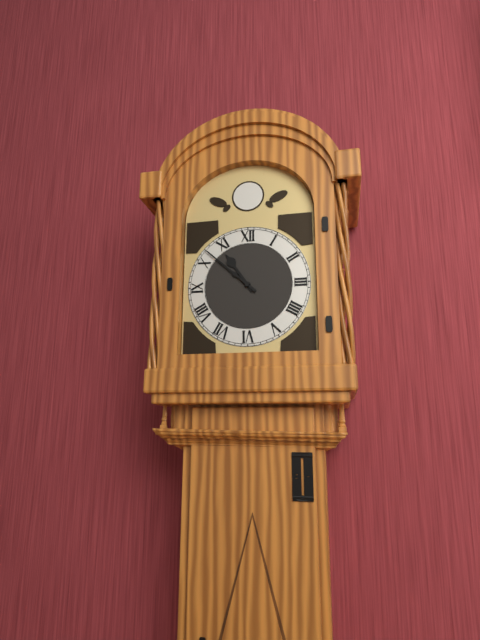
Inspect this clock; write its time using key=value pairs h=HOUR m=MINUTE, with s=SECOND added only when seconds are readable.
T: h=10 m=52
